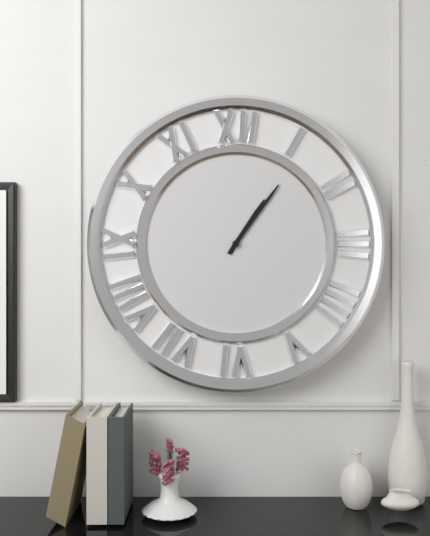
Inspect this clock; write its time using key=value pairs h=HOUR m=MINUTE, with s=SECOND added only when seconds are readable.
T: h=1 m=6
